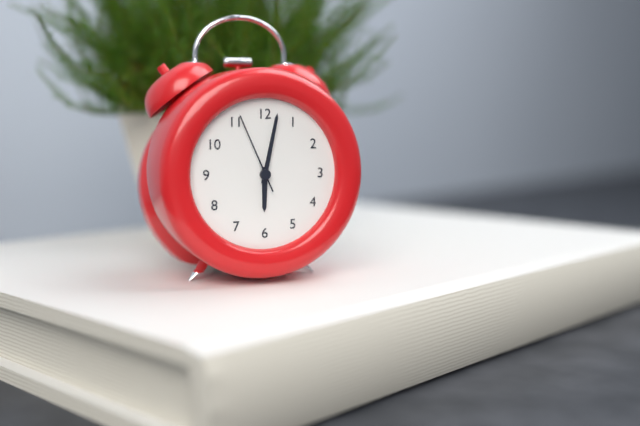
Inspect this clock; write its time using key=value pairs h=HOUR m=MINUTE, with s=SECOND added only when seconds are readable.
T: h=6 m=2 s=56
